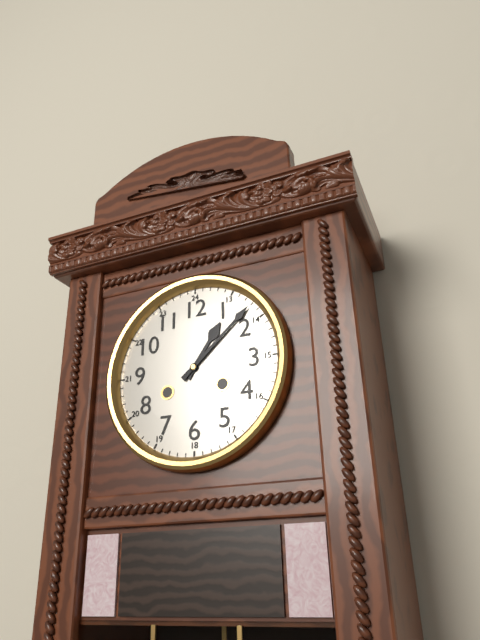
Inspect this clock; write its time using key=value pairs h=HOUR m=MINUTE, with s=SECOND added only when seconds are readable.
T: h=1 m=8
